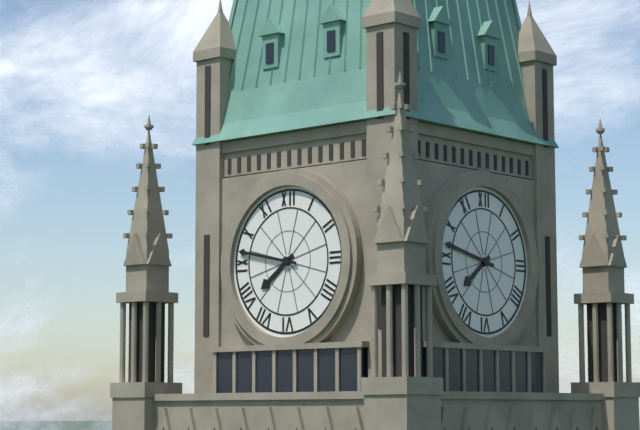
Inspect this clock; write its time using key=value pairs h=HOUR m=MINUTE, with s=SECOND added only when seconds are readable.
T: h=7 m=47
